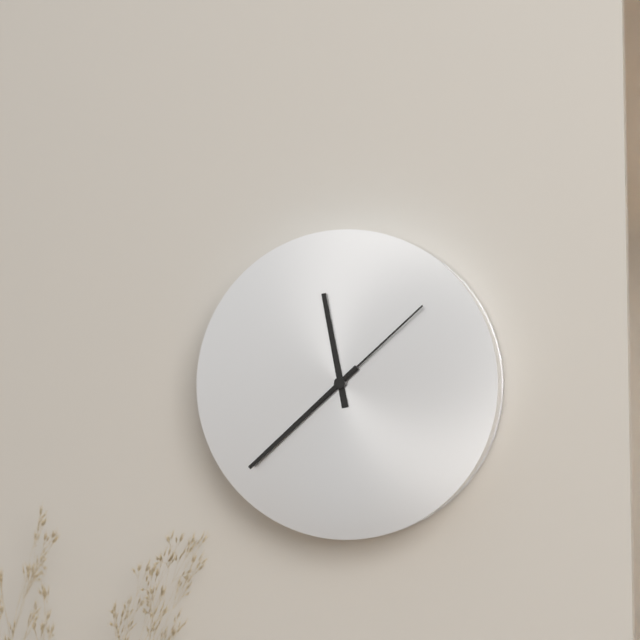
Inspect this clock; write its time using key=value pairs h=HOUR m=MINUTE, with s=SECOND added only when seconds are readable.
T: h=11 m=38 s=8
